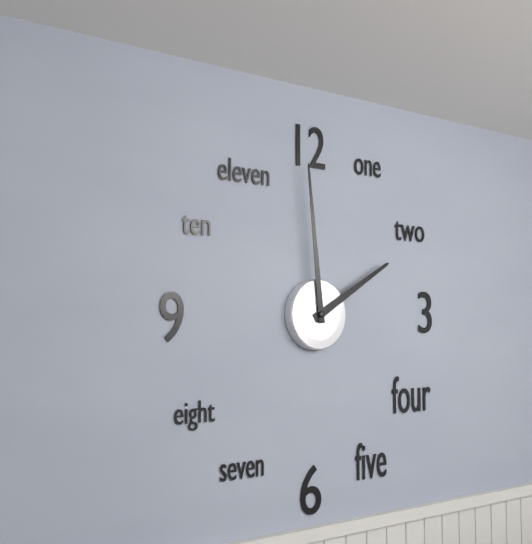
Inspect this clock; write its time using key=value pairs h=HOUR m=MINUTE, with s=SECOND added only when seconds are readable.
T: h=1 m=59
